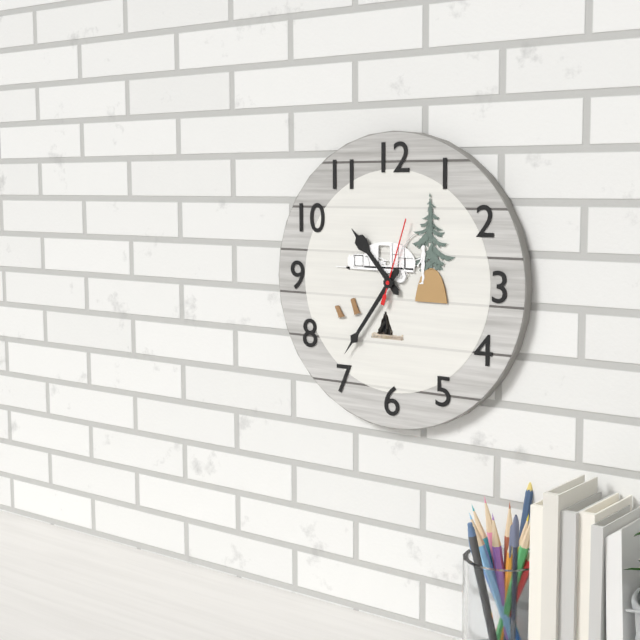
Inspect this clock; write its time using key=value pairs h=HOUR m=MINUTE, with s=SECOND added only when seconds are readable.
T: h=10 m=36 s=3
